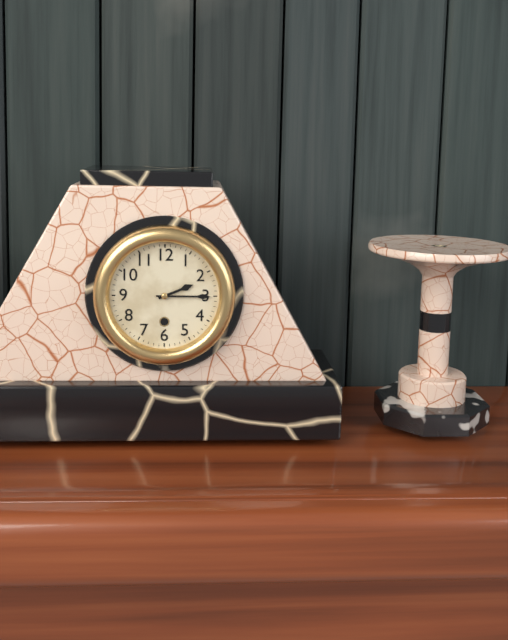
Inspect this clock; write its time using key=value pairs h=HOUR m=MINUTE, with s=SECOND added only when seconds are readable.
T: h=2 m=15
